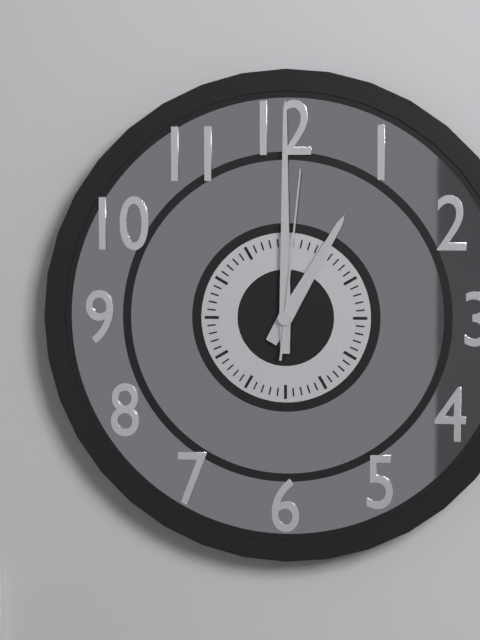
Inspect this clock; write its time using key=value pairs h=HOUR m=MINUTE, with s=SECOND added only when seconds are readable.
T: h=1 m=0 s=1
